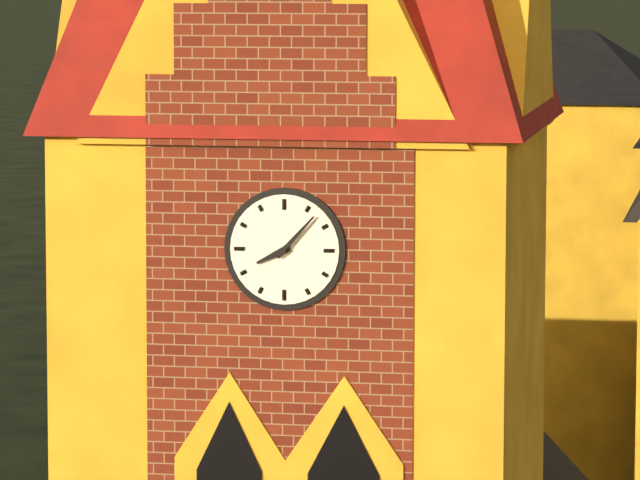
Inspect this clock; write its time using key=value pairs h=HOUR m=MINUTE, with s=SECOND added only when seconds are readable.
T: h=8 m=7
